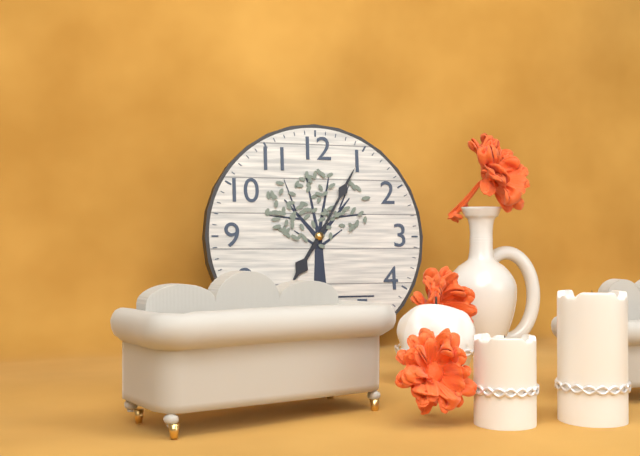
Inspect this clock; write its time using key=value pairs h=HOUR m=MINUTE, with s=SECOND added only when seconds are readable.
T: h=7 m=5
